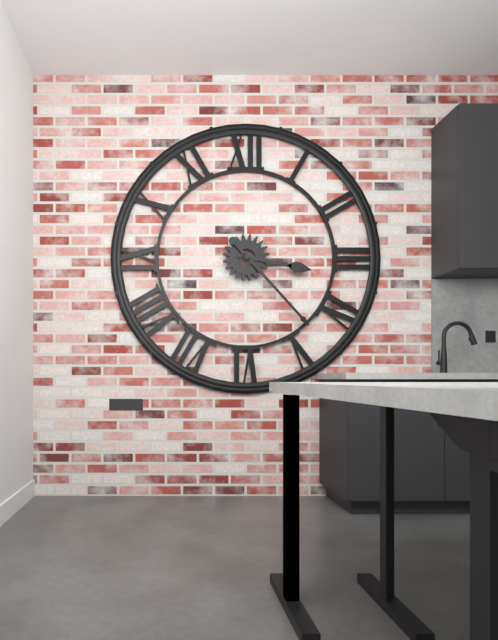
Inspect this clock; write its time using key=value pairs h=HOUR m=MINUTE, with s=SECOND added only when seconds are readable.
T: h=3 m=23
